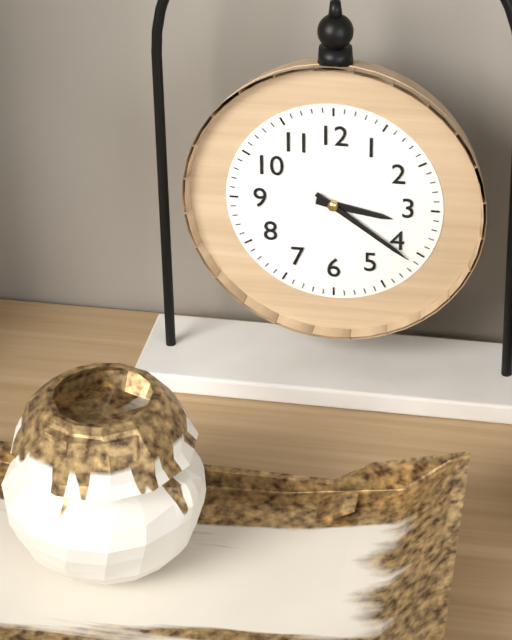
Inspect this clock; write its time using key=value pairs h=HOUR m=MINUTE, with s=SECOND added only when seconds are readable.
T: h=3 m=21
